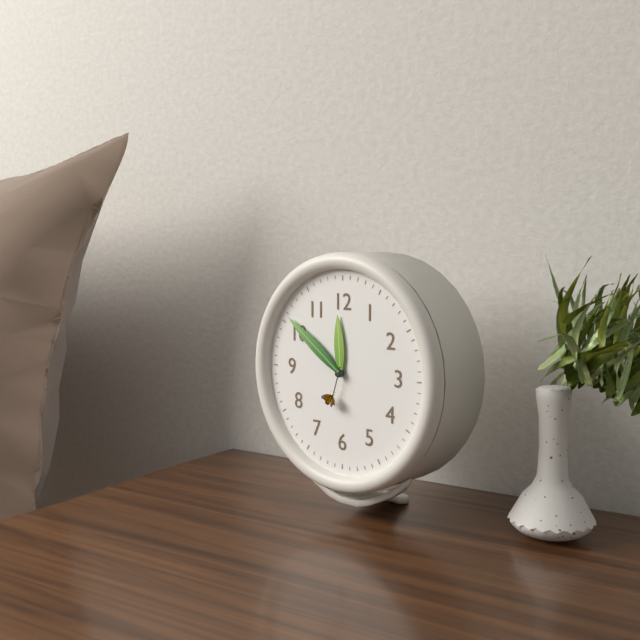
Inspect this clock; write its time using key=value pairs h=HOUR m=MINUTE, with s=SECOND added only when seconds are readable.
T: h=11 m=51
